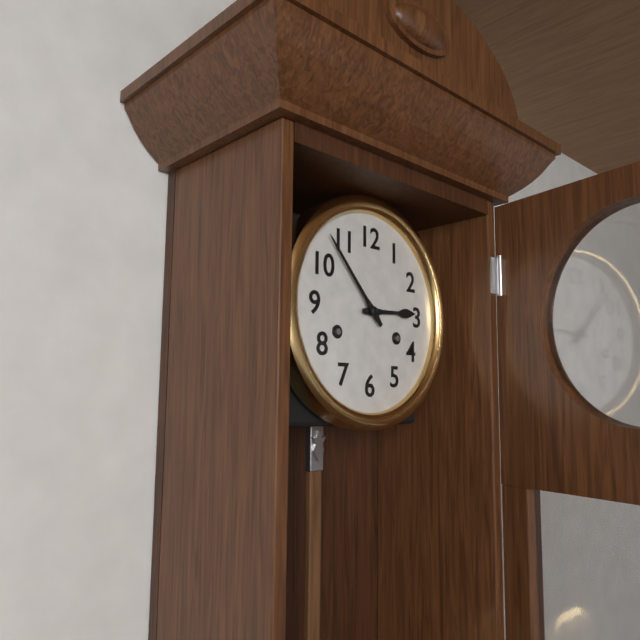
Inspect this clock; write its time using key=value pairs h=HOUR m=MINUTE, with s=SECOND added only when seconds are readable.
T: h=2 m=53
